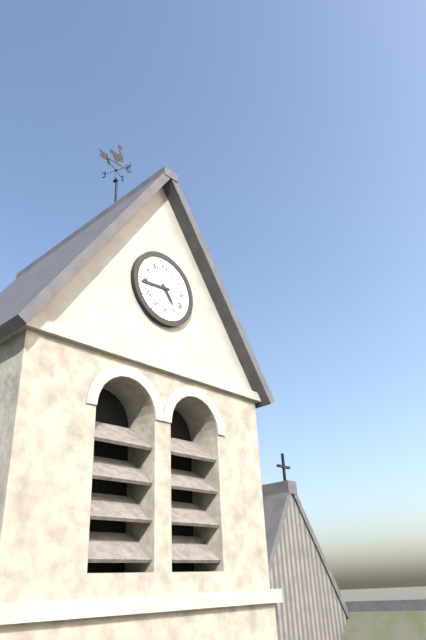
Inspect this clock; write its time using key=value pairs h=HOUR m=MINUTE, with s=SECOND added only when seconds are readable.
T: h=4 m=44
